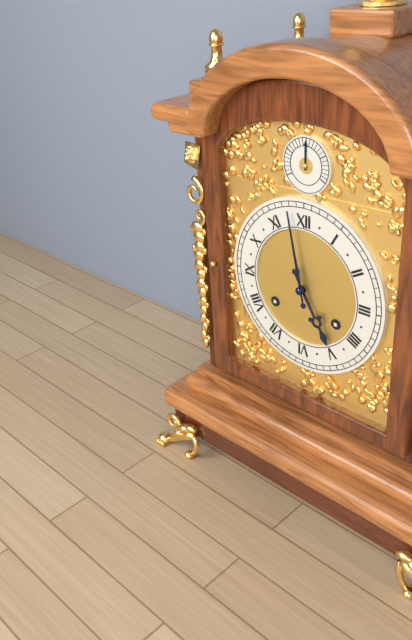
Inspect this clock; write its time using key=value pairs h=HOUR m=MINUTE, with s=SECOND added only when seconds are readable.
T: h=4 m=58
